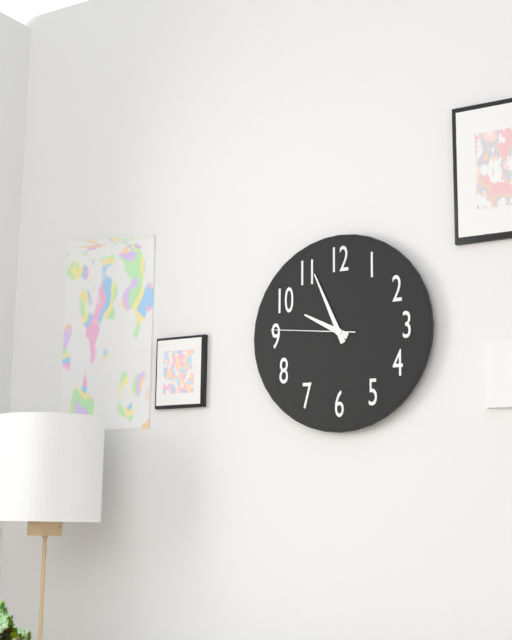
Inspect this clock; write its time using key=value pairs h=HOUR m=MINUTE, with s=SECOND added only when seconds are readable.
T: h=9 m=56 s=46
